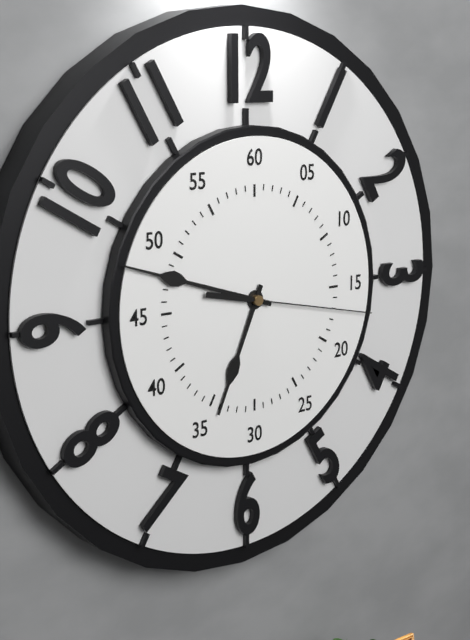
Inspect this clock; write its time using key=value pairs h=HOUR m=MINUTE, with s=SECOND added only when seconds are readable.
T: h=6 m=48 s=17
